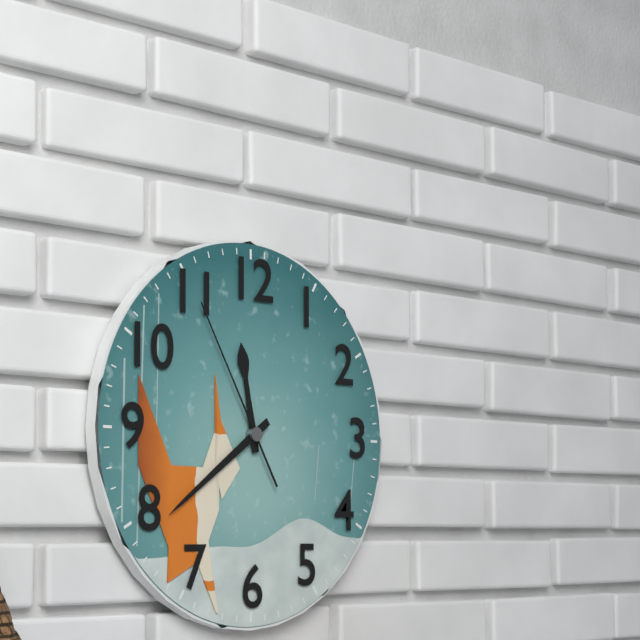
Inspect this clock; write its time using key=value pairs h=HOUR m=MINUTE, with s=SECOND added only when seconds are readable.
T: h=11 m=39 s=55
